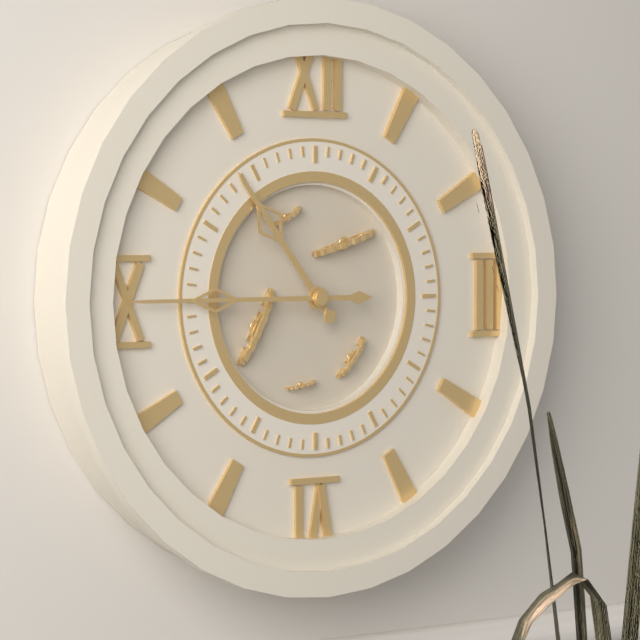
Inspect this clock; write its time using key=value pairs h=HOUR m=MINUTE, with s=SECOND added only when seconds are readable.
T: h=10 m=45
